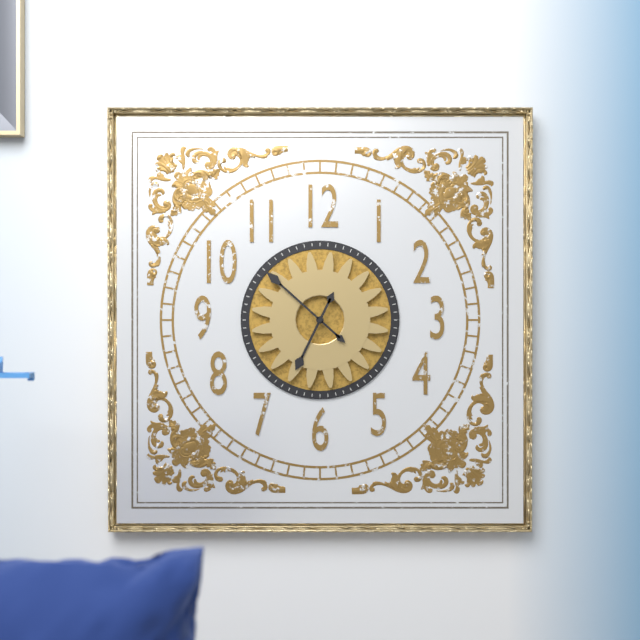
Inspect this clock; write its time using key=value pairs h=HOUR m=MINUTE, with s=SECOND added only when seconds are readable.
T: h=6 m=52
